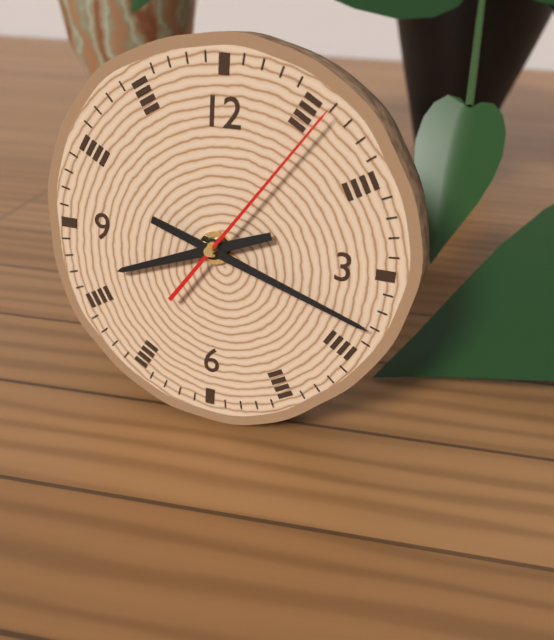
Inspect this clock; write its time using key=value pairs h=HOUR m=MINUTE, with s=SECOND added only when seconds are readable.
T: h=8 m=18 s=6
